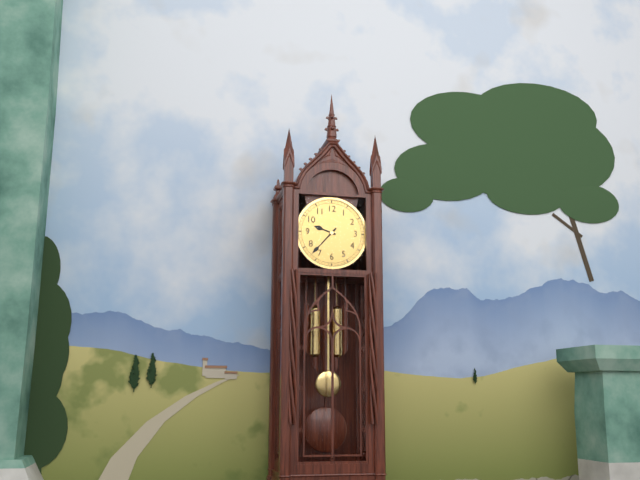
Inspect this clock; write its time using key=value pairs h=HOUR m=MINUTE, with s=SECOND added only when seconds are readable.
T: h=9 m=37
